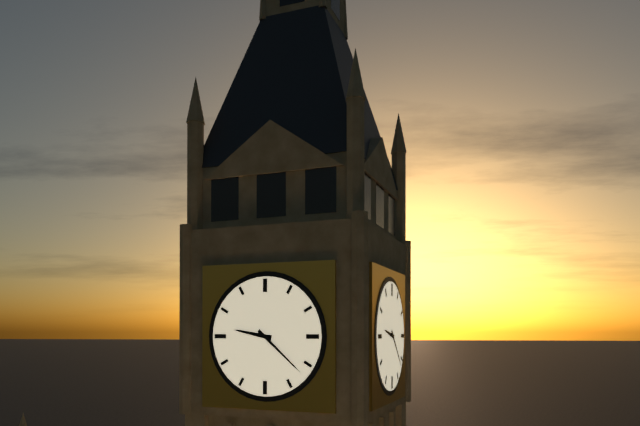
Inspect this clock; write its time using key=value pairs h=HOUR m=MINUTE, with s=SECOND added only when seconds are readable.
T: h=9 m=22
